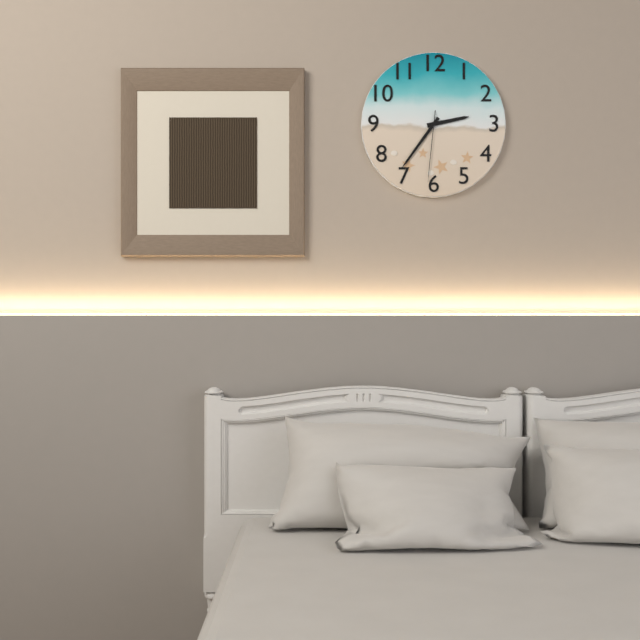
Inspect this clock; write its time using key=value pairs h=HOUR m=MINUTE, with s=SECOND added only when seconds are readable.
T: h=2 m=36 s=31
